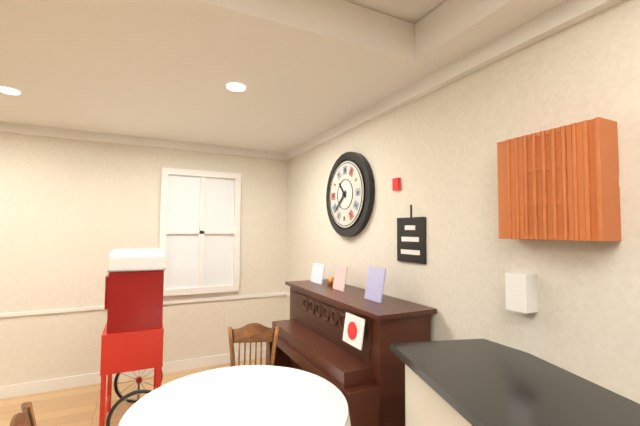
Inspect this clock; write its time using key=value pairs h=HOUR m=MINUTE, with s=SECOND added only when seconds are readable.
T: h=10 m=38
